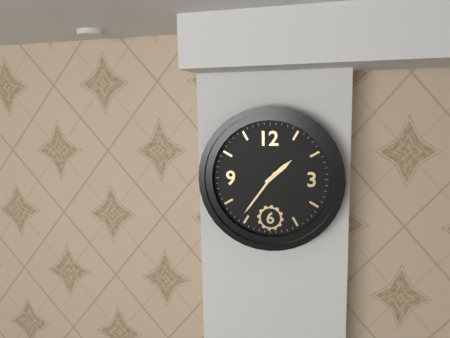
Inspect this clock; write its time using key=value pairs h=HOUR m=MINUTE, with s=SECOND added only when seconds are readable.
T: h=1 m=36
